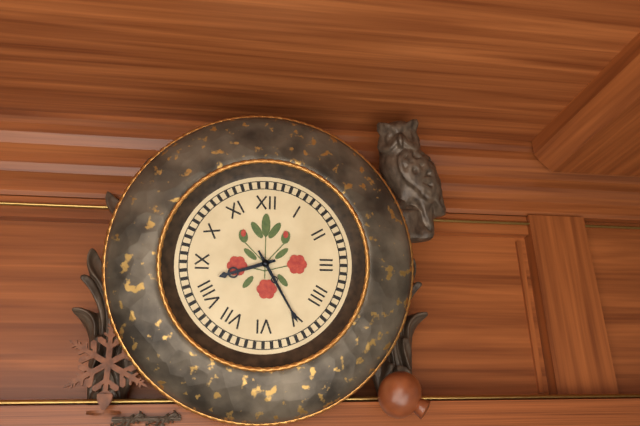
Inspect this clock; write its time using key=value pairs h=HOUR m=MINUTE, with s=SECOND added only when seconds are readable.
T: h=8 m=25
